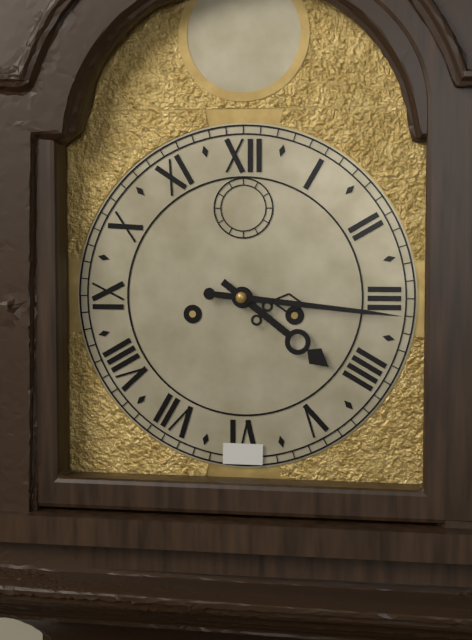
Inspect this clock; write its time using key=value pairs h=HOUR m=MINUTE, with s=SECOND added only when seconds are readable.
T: h=4 m=16
